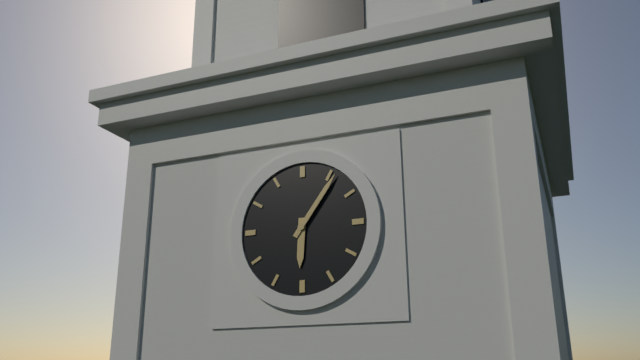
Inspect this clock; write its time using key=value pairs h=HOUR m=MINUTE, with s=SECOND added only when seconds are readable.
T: h=6 m=6
